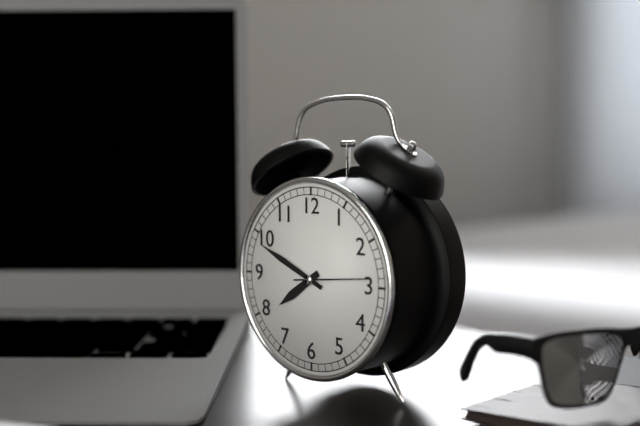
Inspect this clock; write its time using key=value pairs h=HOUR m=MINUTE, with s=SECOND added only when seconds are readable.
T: h=7 m=49
